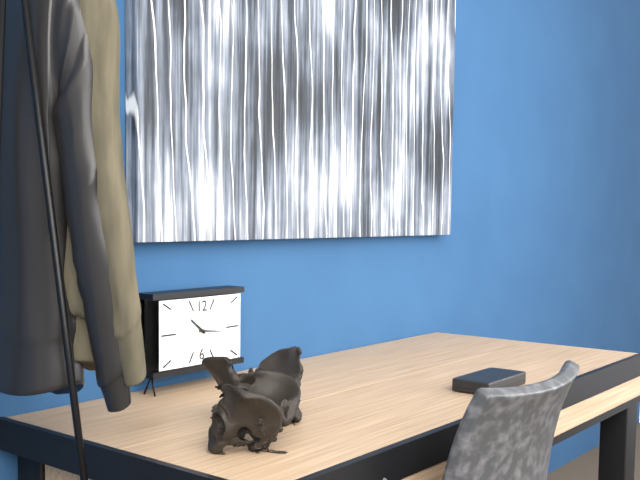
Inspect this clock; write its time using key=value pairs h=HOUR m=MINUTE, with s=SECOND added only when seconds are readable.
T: h=10 m=16
